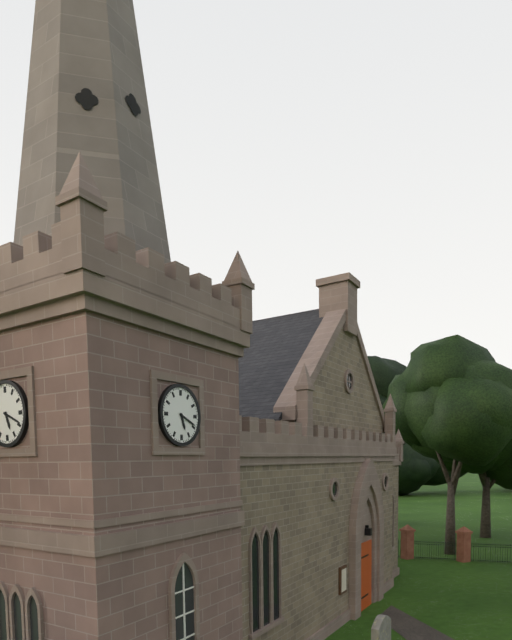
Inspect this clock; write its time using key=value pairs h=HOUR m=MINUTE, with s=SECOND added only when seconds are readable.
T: h=5 m=19
